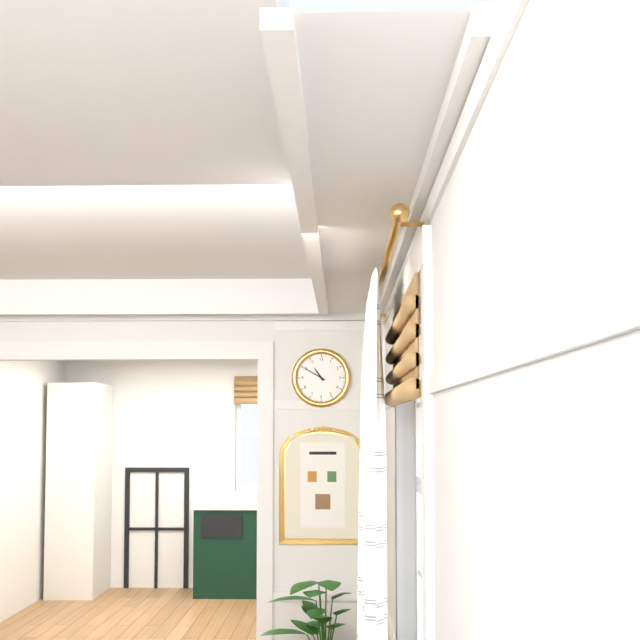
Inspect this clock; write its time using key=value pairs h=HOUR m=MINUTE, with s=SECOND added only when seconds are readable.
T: h=10 m=50
